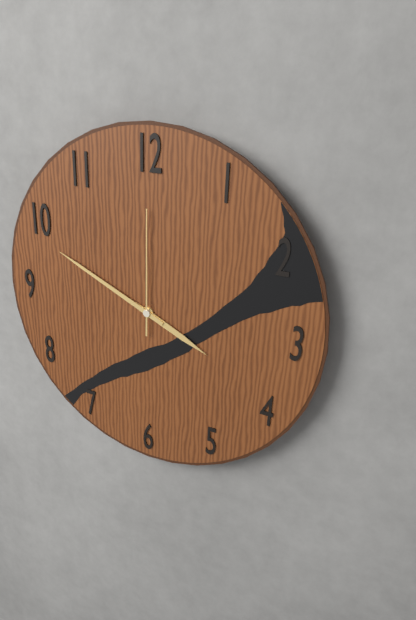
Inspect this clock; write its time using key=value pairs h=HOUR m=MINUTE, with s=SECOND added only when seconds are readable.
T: h=3 m=49 s=0
